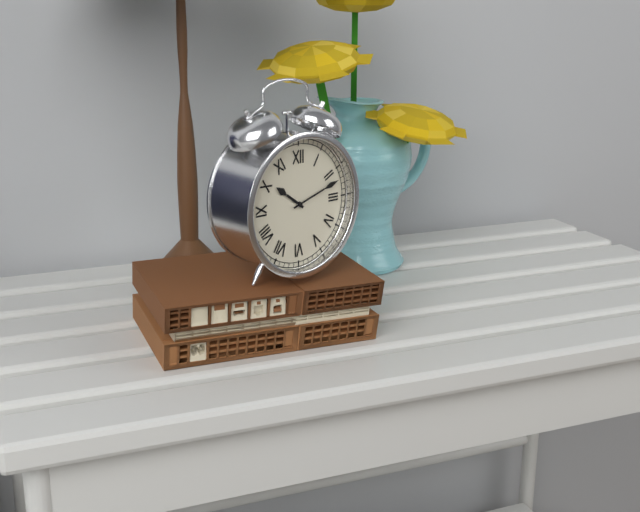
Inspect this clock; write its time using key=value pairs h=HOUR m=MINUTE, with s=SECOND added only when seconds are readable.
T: h=10 m=12
